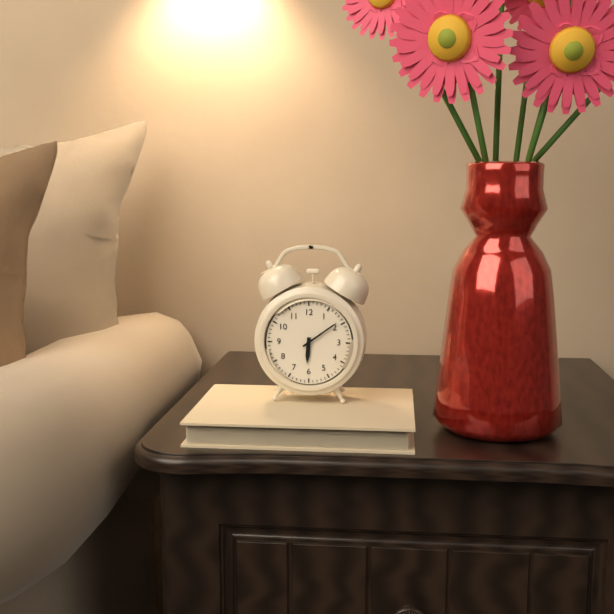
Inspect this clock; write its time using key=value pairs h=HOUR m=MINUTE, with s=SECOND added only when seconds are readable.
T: h=6 m=9
